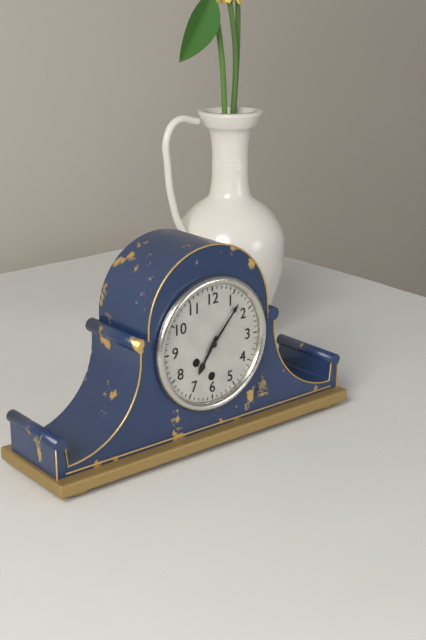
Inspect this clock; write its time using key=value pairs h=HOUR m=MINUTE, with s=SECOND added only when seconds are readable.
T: h=7 m=7
